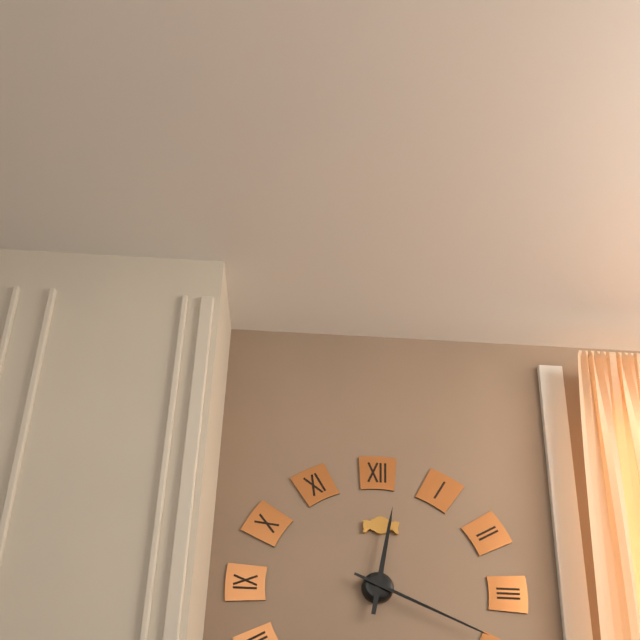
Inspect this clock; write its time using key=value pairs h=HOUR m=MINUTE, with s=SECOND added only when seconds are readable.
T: h=12 m=19
